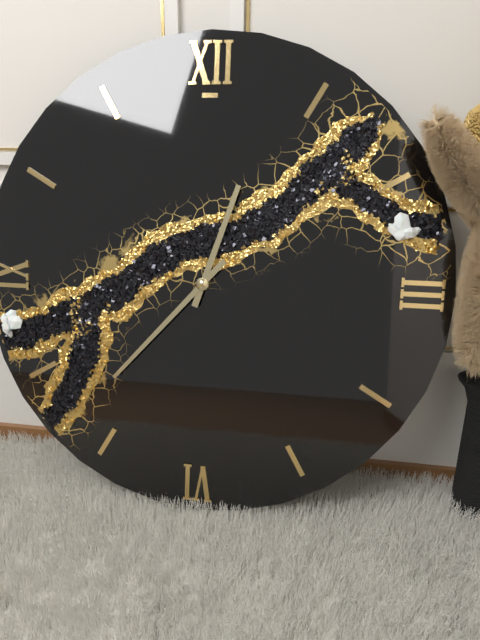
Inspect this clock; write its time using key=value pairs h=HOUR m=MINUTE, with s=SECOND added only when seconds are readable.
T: h=12 m=37
